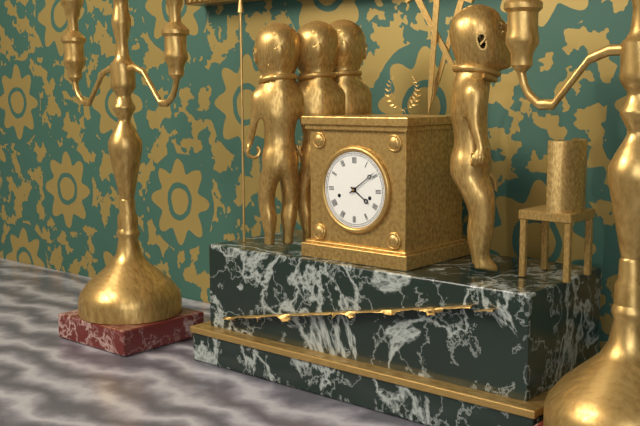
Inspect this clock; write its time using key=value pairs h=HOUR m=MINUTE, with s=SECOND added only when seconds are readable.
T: h=4 m=9
